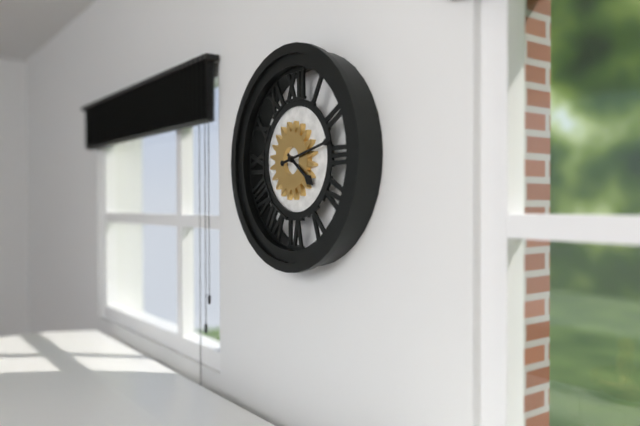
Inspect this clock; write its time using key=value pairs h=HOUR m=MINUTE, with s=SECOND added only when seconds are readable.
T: h=4 m=13
